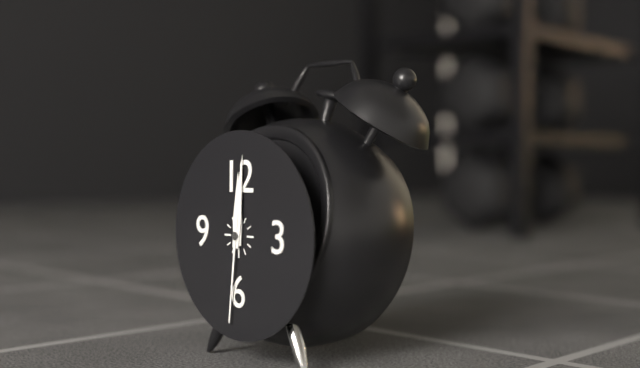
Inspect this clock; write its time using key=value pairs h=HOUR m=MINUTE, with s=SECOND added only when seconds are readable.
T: h=12 m=1 s=31
